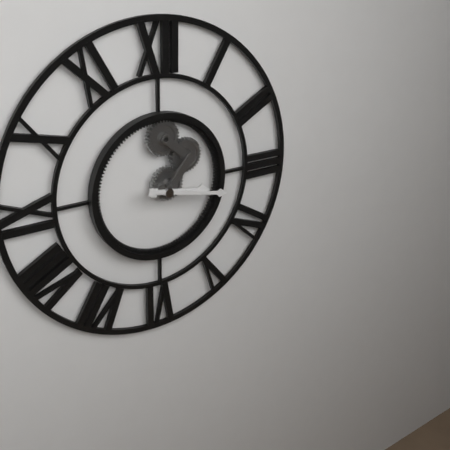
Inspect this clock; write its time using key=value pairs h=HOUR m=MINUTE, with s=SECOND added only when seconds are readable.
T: h=3 m=17
